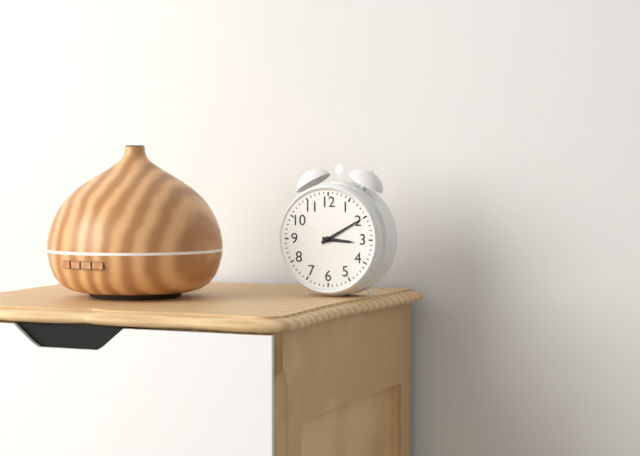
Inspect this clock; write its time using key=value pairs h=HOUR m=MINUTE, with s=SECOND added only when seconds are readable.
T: h=3 m=10
